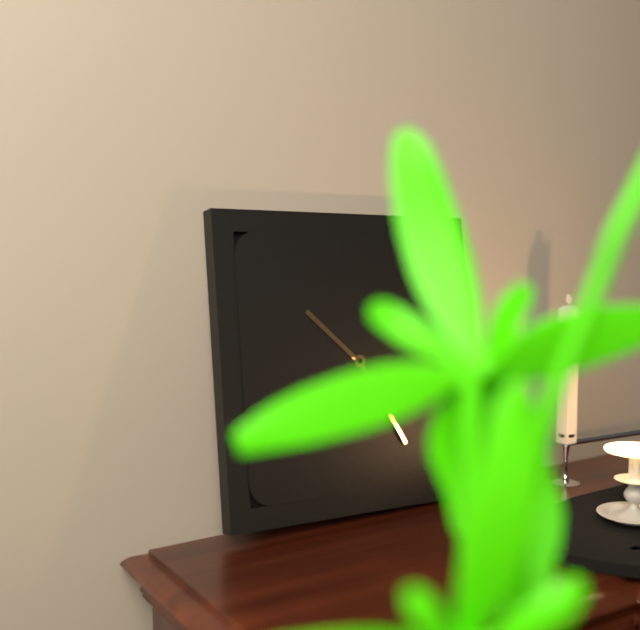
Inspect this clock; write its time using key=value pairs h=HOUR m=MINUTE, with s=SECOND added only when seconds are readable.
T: h=10 m=25
